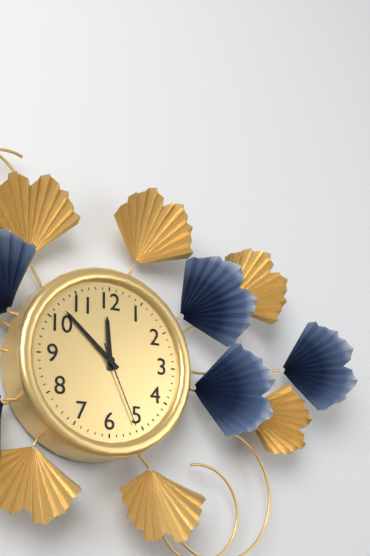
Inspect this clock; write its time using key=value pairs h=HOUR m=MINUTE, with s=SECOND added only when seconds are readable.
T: h=11 m=52 s=26
